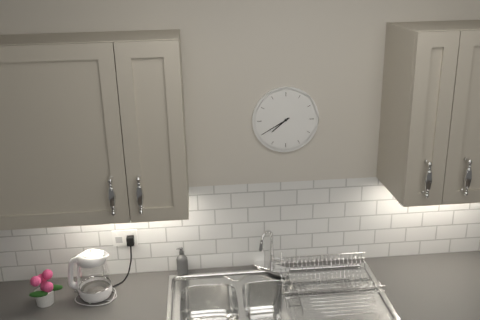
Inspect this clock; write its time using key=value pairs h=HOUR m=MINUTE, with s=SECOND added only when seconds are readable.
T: h=7 m=40
